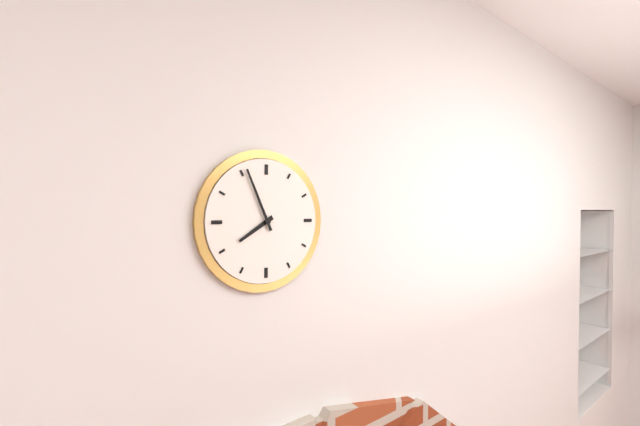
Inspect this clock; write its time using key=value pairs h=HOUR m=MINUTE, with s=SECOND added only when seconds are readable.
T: h=7 m=56
